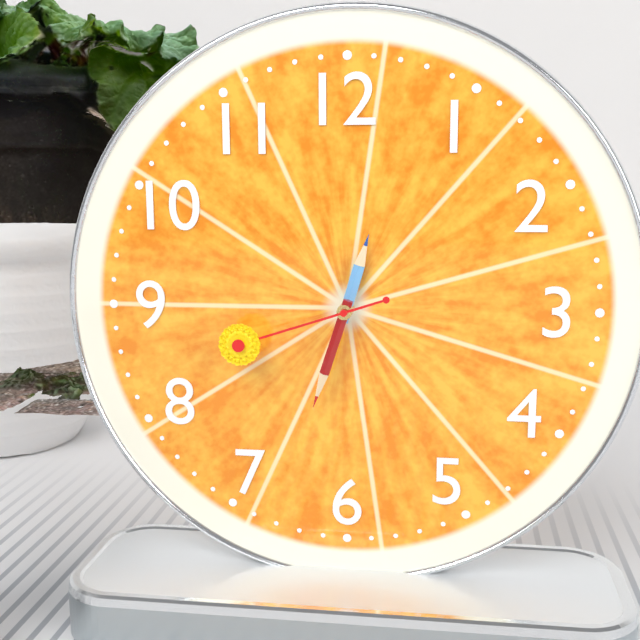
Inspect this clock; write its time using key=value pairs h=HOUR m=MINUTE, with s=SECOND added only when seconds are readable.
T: h=12 m=33 s=42
